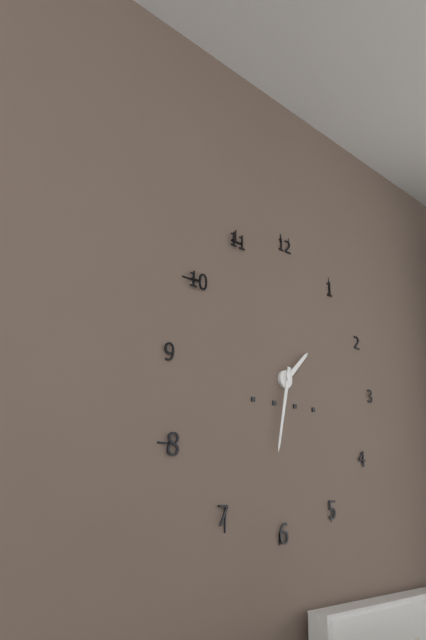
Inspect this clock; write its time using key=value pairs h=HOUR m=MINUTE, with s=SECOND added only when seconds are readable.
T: h=1 m=32
